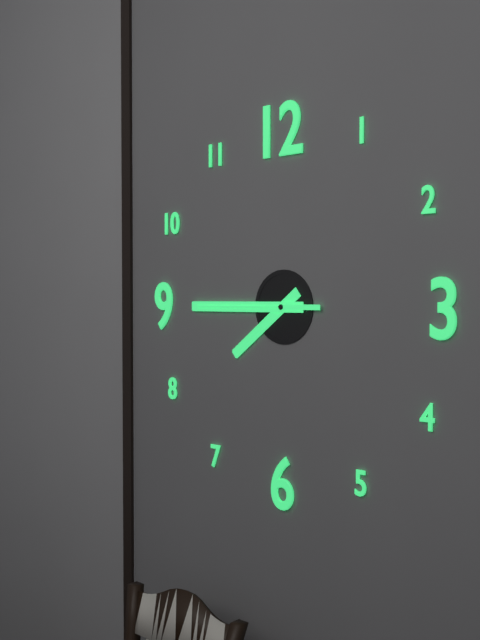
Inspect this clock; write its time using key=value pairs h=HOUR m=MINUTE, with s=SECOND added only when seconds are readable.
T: h=7 m=45 s=45
